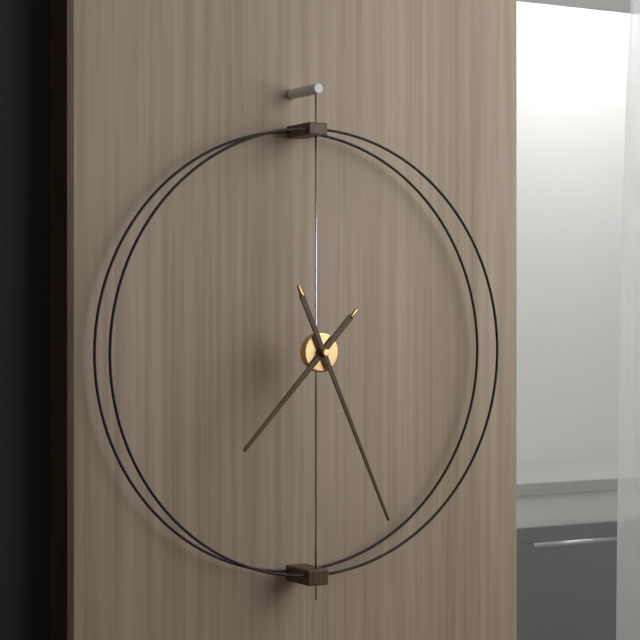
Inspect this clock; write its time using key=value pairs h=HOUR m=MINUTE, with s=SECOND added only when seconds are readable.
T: h=7 m=26
